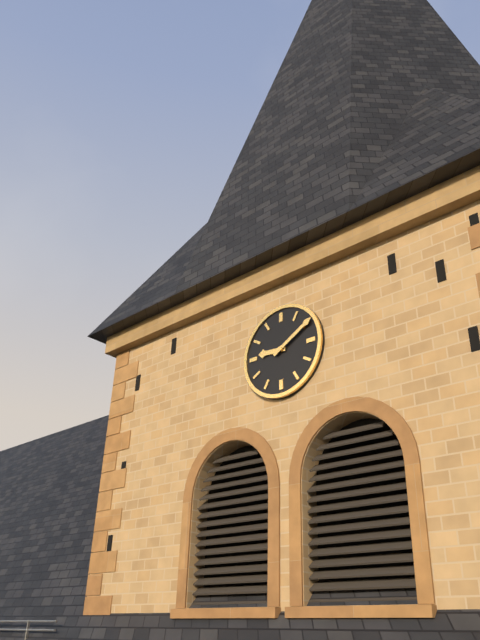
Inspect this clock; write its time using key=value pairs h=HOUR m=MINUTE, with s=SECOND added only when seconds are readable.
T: h=9 m=10
